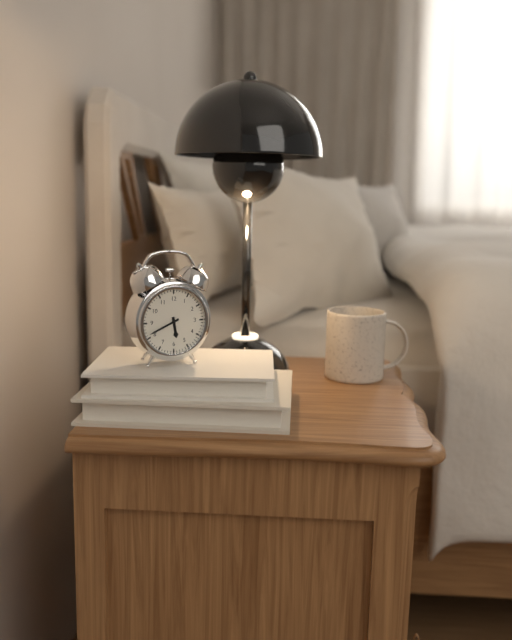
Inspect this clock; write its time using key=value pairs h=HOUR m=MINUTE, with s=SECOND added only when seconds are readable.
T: h=5 m=41
